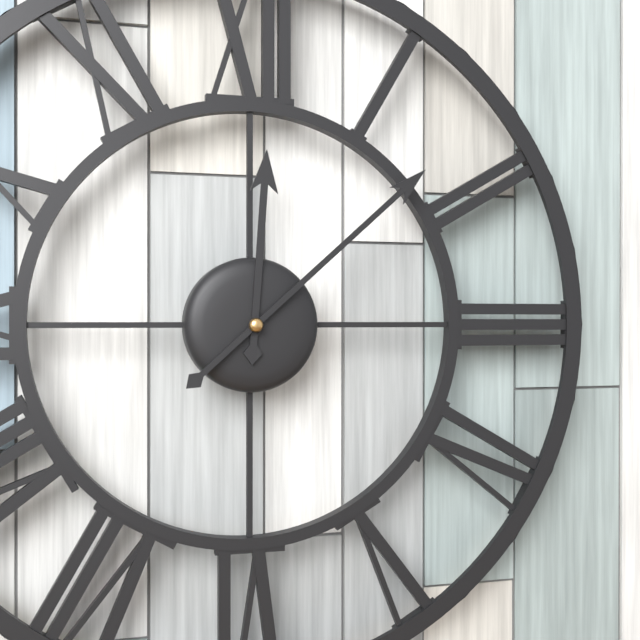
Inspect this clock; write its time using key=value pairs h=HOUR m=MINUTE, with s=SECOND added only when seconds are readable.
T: h=12 m=8
